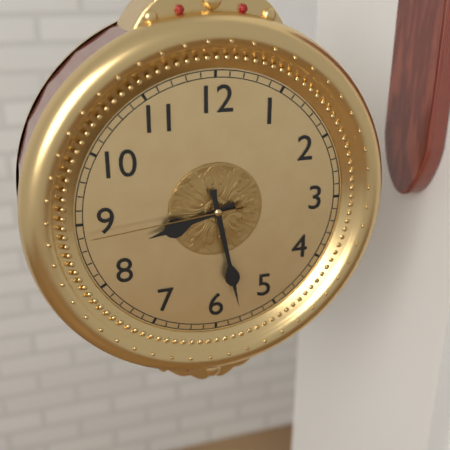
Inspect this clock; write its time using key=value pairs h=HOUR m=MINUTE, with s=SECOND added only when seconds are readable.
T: h=8 m=28 s=44
